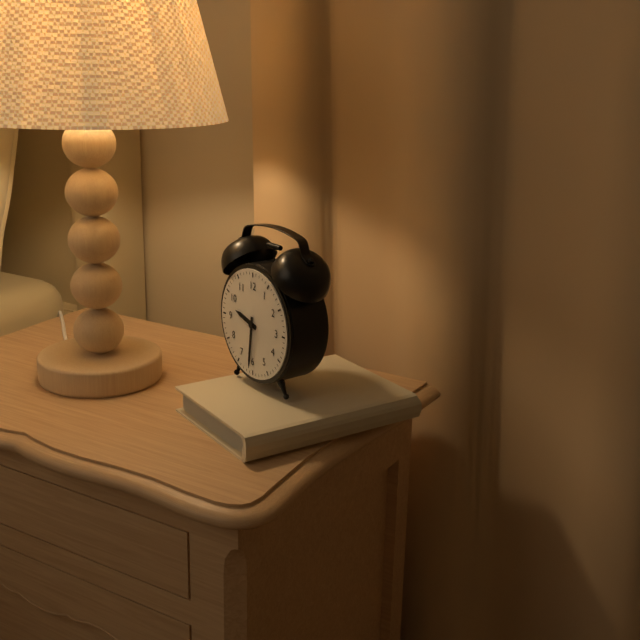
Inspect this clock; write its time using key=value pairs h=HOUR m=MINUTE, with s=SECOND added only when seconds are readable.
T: h=9 m=31
